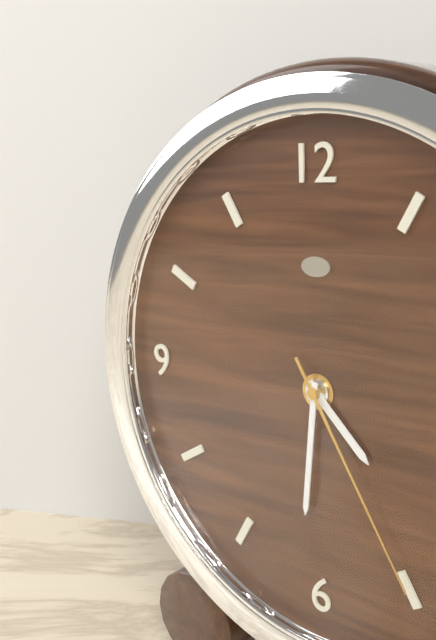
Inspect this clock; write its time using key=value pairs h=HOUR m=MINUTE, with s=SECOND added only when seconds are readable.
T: h=4 m=31 s=25
